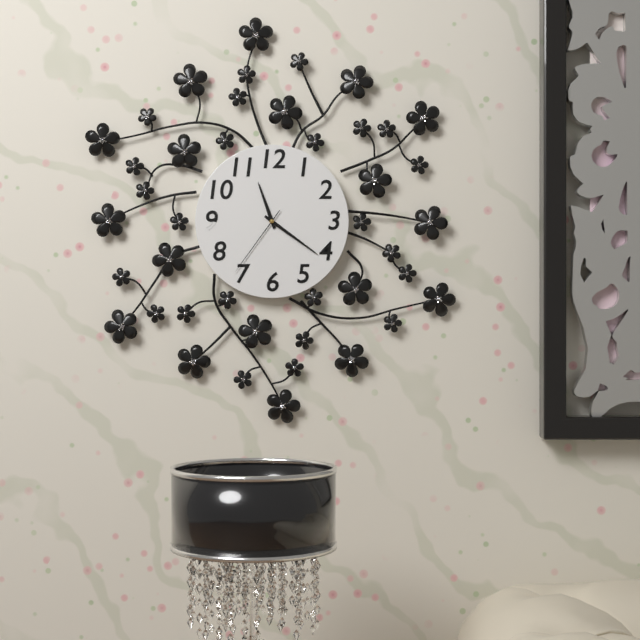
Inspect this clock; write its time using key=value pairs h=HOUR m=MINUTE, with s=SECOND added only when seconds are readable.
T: h=11 m=21 s=36
